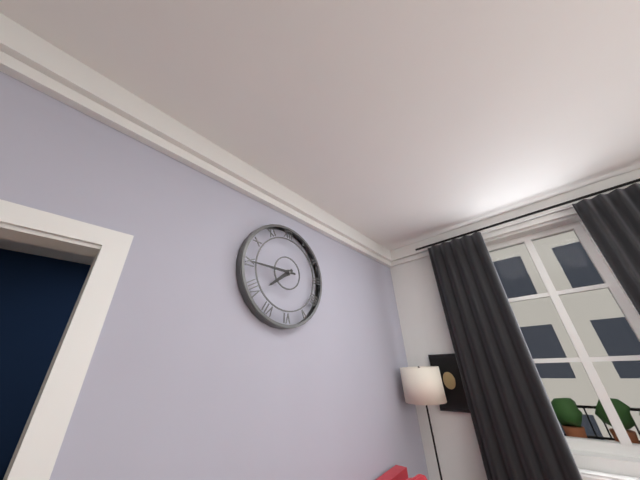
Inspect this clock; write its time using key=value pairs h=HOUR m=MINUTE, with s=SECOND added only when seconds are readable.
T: h=7 m=45
